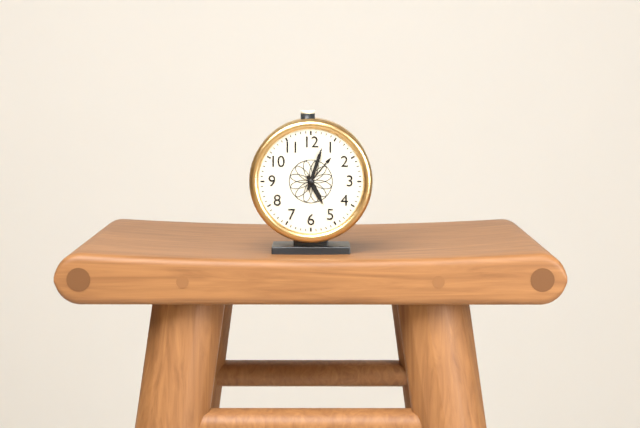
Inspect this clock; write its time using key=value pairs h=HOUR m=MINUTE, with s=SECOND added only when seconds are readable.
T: h=5 m=3
